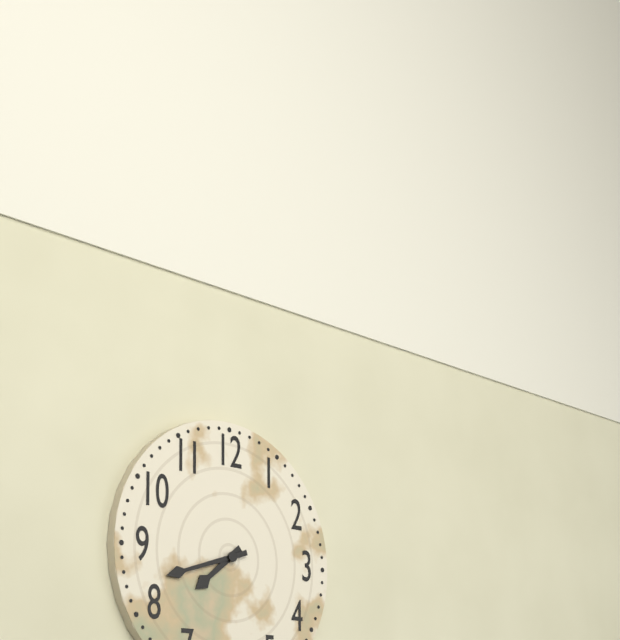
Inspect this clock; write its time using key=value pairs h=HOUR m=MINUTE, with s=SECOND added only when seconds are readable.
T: h=7 m=42
